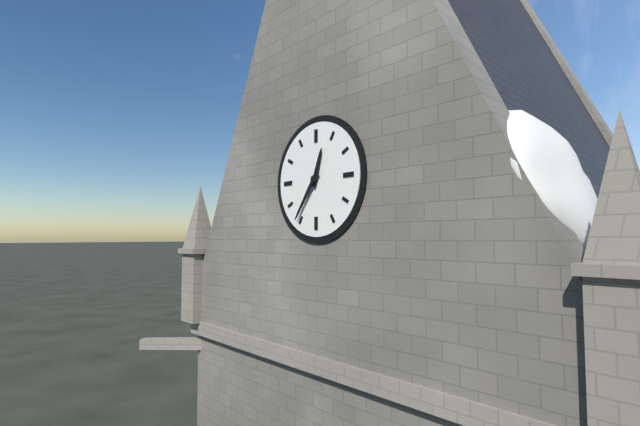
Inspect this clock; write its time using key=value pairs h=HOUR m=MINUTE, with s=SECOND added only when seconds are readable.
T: h=12 m=36
